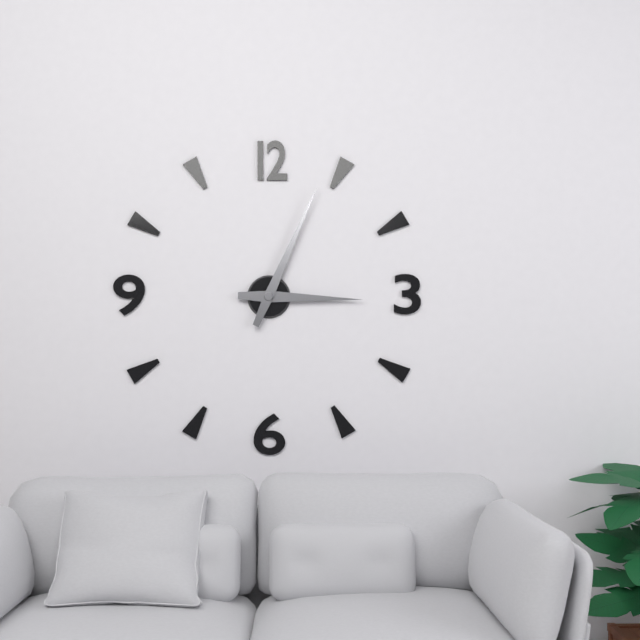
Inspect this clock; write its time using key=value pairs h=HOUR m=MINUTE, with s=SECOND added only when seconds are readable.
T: h=3 m=4
